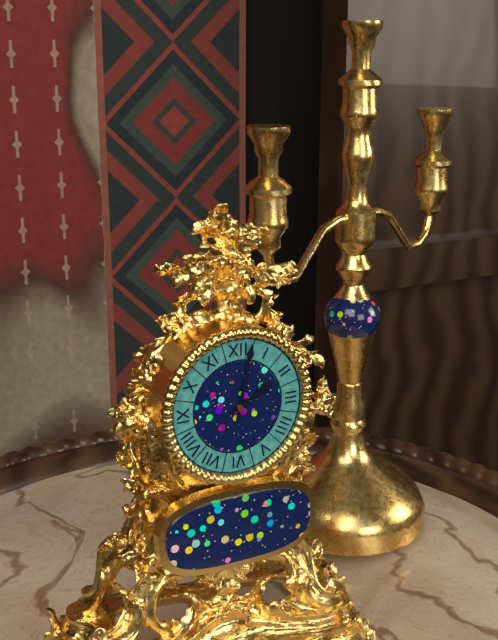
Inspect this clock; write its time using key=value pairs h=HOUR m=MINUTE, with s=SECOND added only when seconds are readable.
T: h=2 m=2
